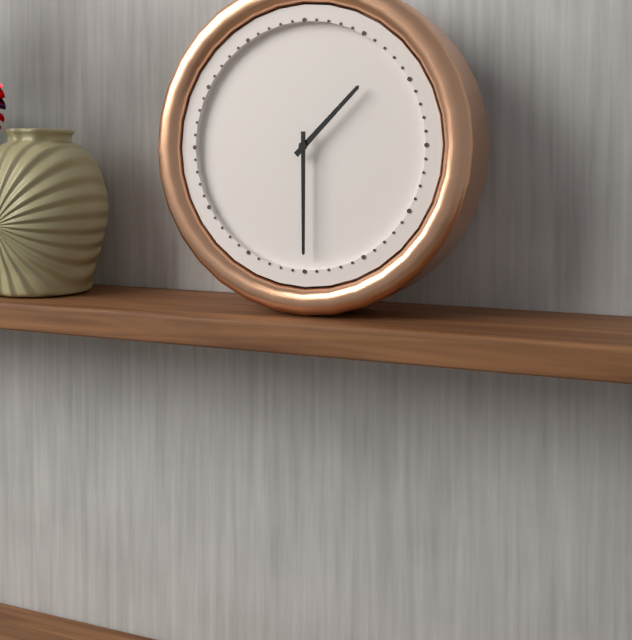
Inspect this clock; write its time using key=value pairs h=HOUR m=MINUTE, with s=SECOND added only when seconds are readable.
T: h=1 m=30
